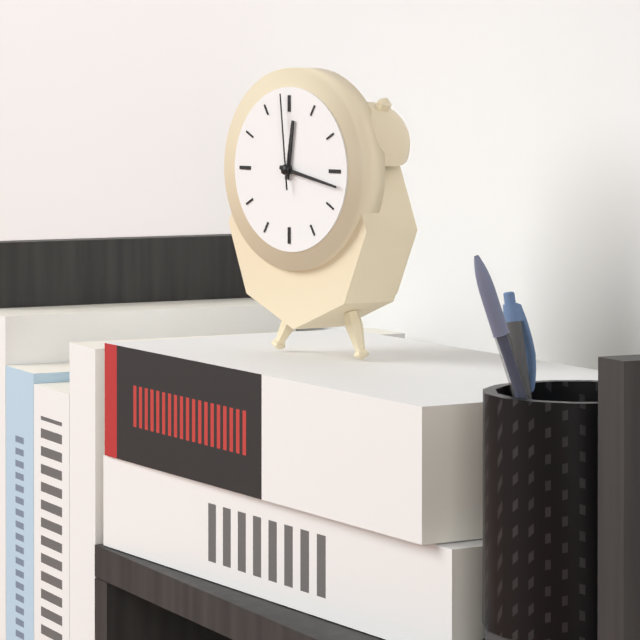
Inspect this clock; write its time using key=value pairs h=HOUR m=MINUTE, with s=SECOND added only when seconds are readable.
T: h=12 m=17 s=59
